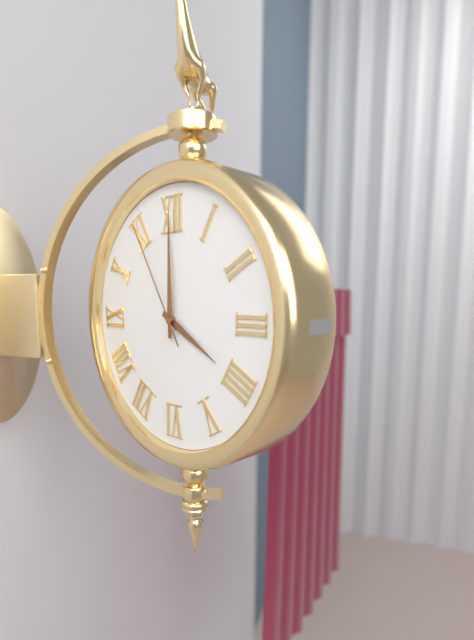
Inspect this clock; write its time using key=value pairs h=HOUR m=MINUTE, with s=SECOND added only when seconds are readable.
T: h=4 m=0 s=55
